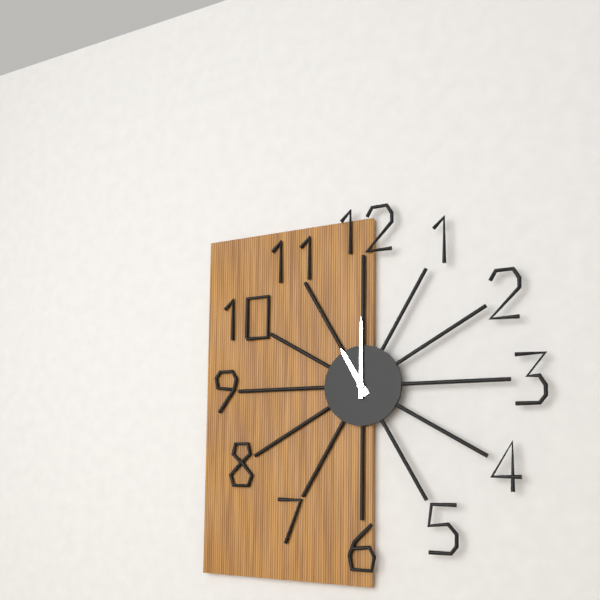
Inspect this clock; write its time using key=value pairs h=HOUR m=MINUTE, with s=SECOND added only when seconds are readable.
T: h=11 m=0
